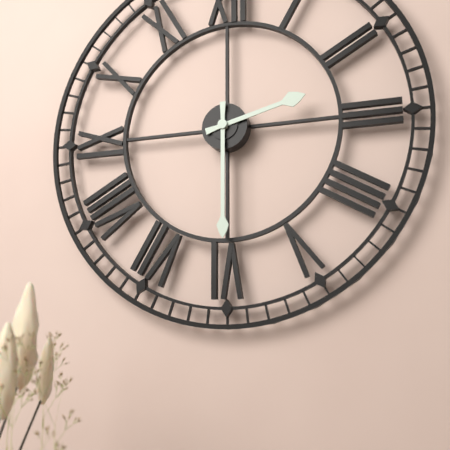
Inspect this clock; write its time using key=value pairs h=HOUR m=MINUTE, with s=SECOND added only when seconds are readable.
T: h=2 m=30
